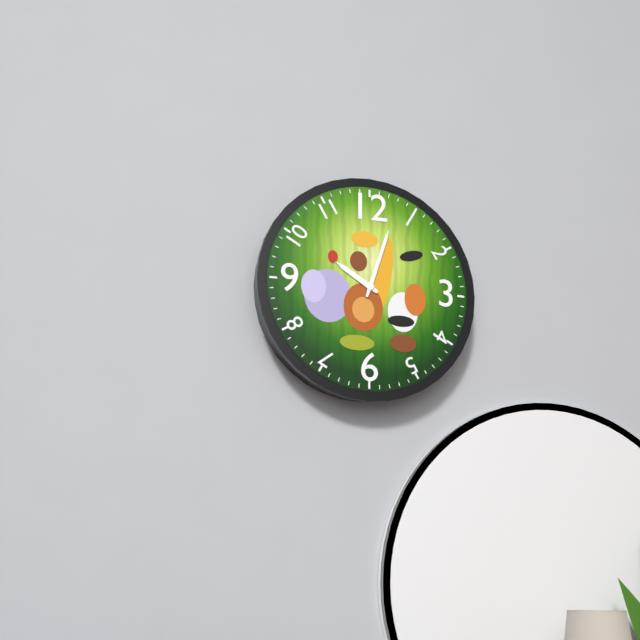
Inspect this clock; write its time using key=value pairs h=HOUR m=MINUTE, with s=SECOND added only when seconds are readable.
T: h=10 m=3
